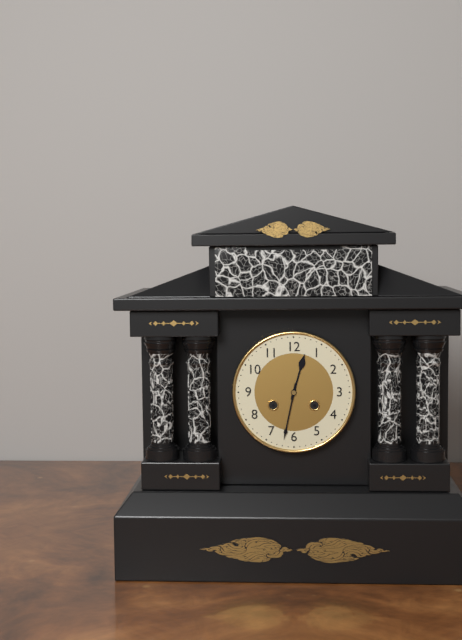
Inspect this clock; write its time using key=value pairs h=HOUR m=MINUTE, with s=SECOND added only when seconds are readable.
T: h=12 m=32
